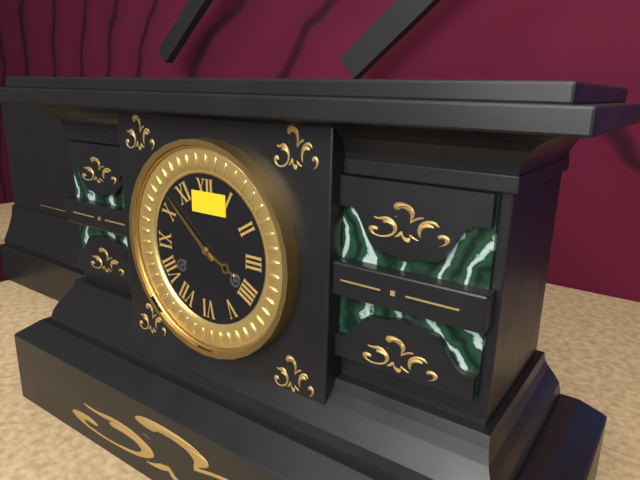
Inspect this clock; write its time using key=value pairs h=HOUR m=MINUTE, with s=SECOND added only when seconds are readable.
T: h=3 m=52
